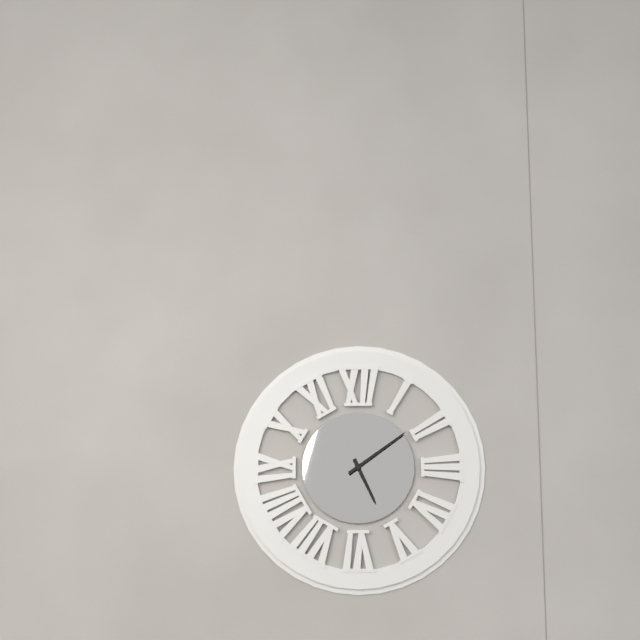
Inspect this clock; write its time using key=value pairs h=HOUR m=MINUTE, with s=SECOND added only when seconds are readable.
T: h=5 m=9
